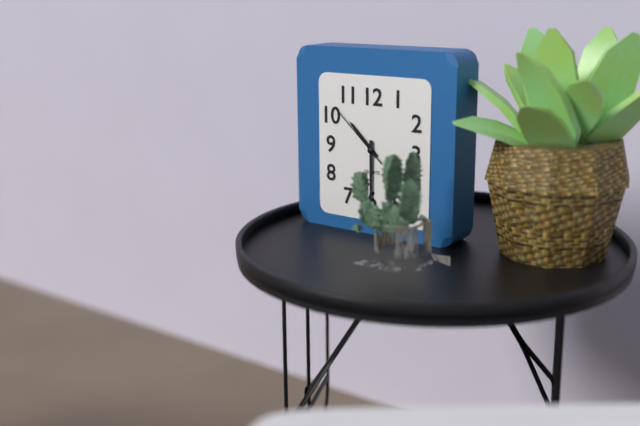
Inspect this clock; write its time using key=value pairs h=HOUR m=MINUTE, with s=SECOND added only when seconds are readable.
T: h=10 m=30 s=52
